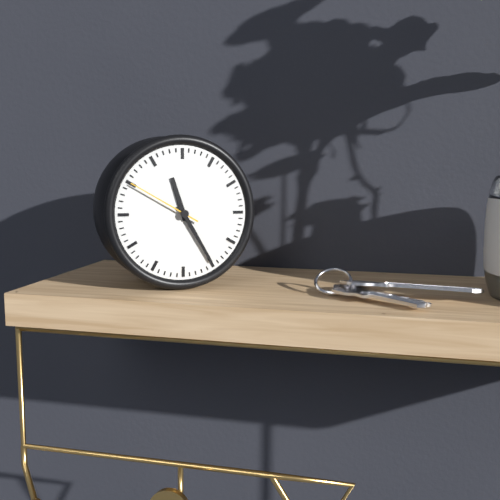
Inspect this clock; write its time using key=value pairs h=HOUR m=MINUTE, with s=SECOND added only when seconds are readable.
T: h=11 m=25 s=50
